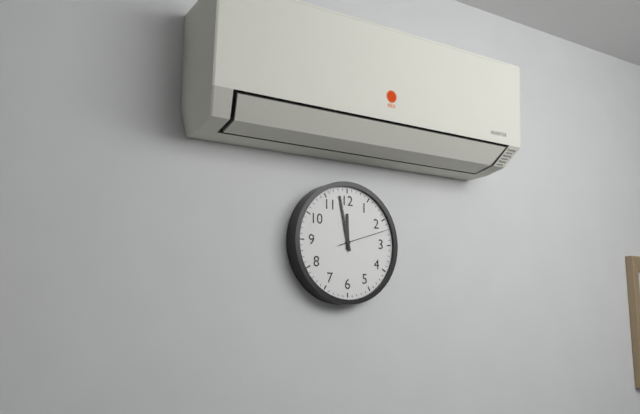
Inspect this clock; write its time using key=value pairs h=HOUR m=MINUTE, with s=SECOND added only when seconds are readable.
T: h=11 m=58 s=12
